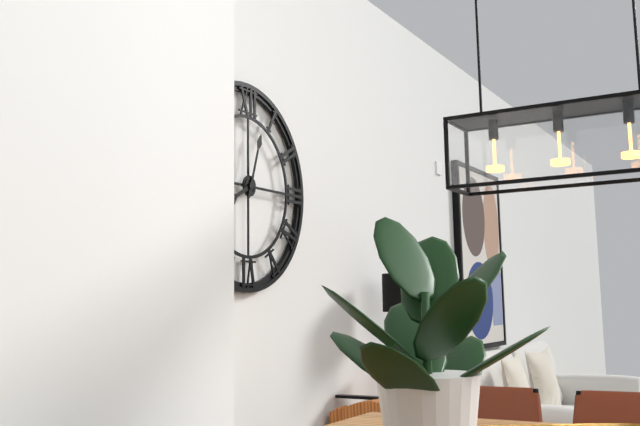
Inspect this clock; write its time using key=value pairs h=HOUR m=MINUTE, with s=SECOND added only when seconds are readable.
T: h=8 m=3
